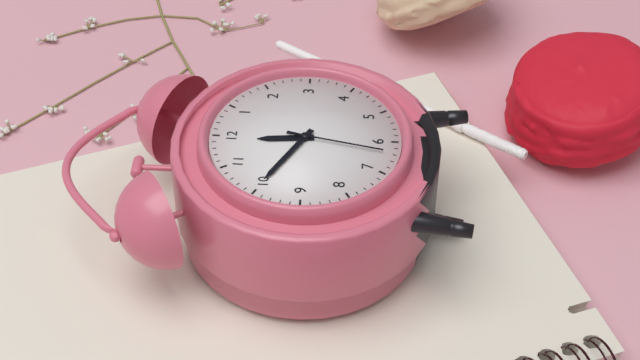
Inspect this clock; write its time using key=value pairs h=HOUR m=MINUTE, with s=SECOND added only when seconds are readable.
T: h=11 m=50 s=32
